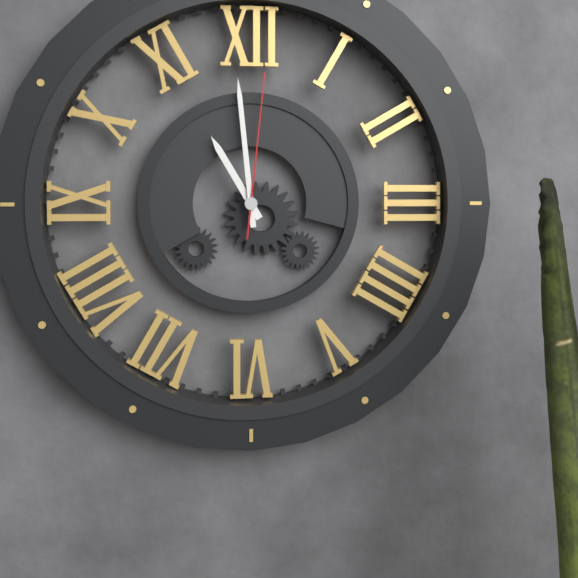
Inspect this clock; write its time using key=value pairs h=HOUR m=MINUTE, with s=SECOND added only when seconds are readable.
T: h=10 m=59 s=1
